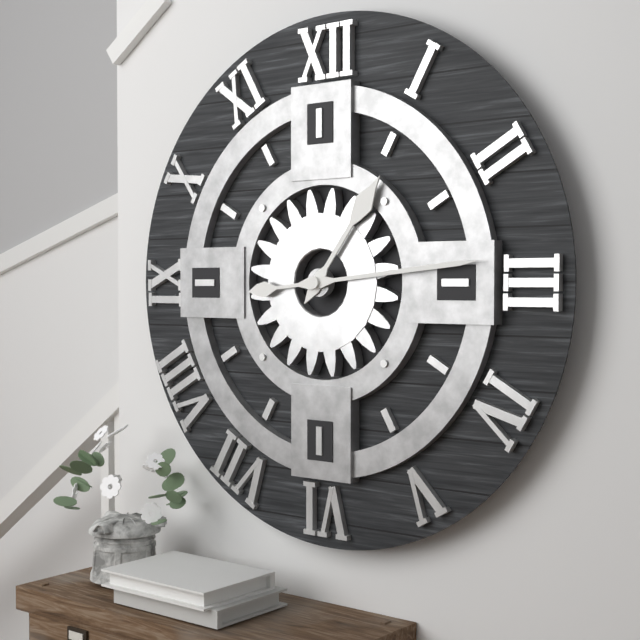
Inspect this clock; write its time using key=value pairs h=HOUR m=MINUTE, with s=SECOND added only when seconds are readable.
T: h=1 m=14
